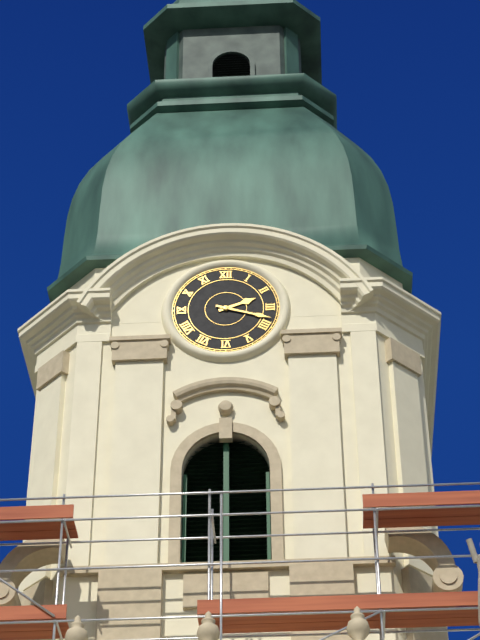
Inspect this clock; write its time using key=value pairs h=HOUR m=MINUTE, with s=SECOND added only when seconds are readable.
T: h=2 m=18
